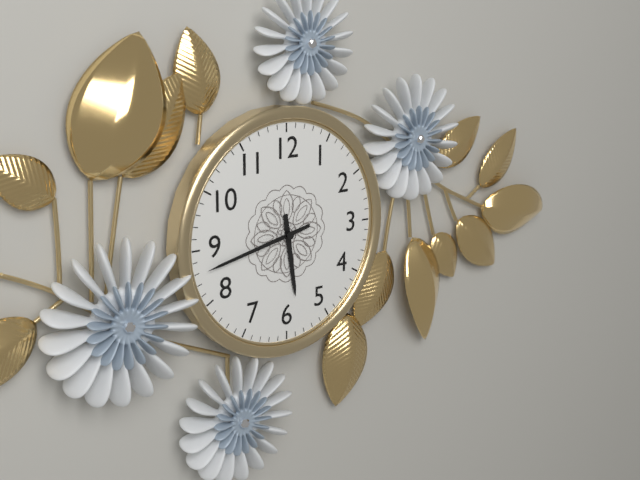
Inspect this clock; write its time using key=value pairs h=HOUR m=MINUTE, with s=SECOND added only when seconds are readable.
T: h=5 m=43
